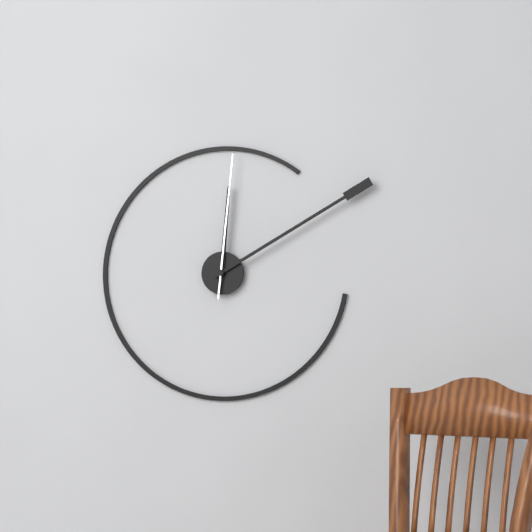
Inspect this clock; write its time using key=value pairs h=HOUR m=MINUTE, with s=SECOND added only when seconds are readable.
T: h=12 m=10 s=1
